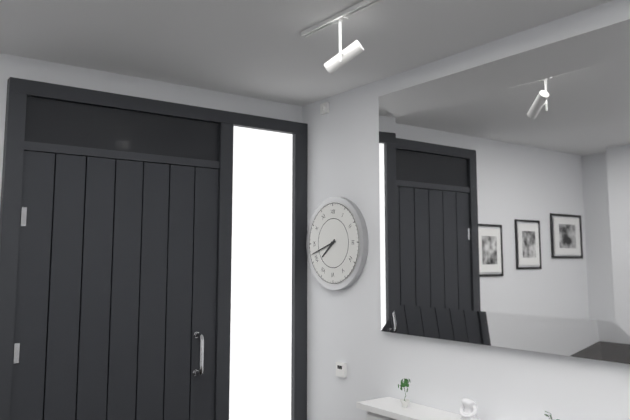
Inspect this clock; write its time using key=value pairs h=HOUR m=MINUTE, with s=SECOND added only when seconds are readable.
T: h=7 m=42
